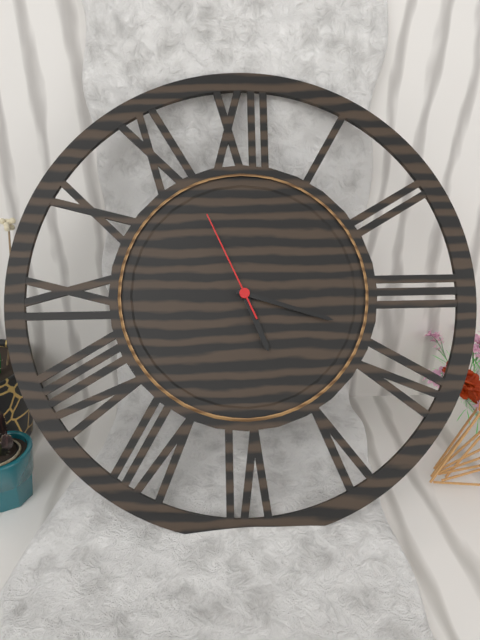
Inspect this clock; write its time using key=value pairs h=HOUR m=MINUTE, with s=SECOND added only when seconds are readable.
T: h=5 m=18 s=56
